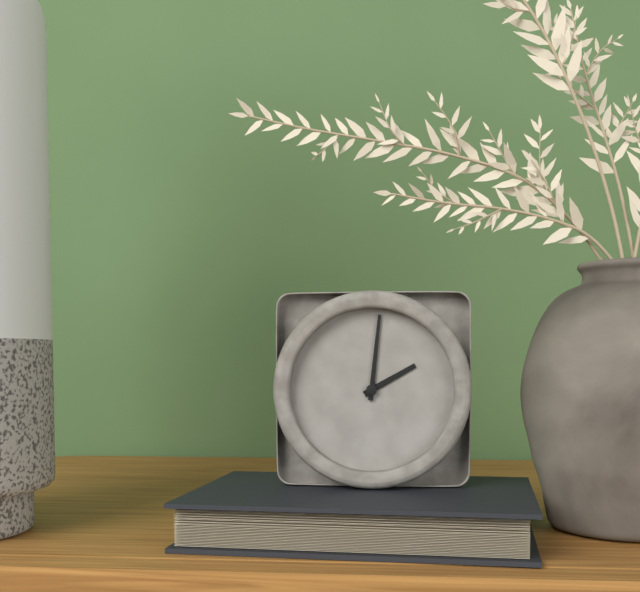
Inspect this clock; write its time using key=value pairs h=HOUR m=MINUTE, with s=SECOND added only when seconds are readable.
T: h=2 m=1
